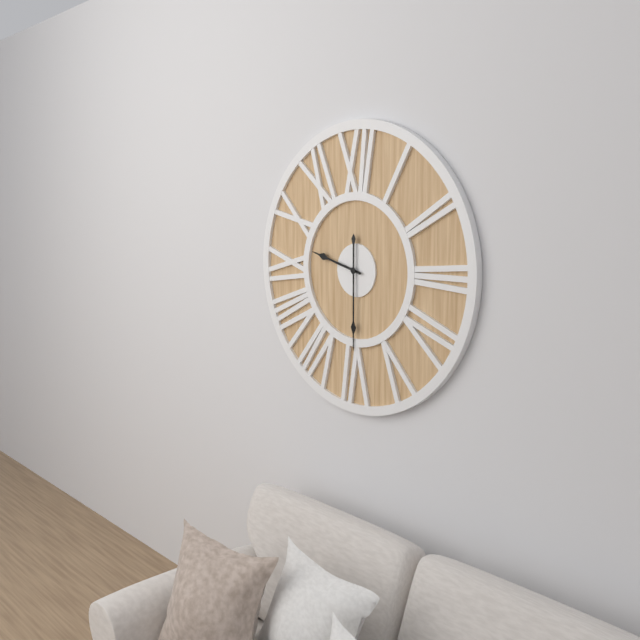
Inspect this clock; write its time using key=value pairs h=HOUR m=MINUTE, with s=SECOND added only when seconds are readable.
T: h=9 m=30
